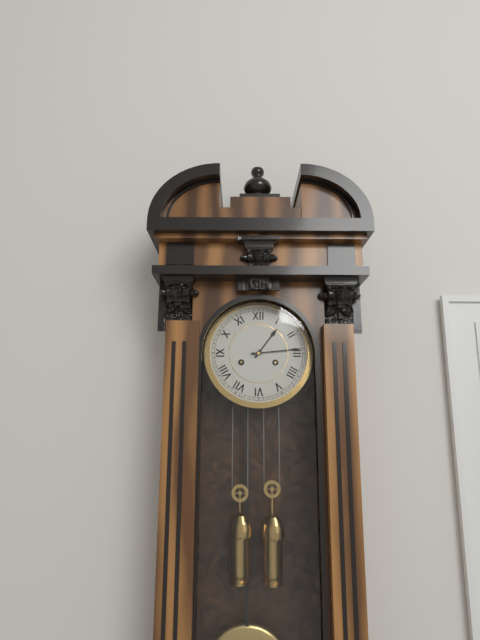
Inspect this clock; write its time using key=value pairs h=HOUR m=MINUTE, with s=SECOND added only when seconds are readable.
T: h=1 m=14
